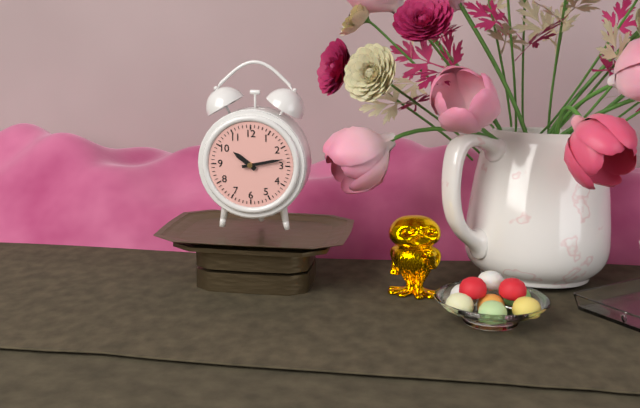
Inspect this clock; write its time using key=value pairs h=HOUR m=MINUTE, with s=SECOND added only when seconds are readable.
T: h=10 m=13
